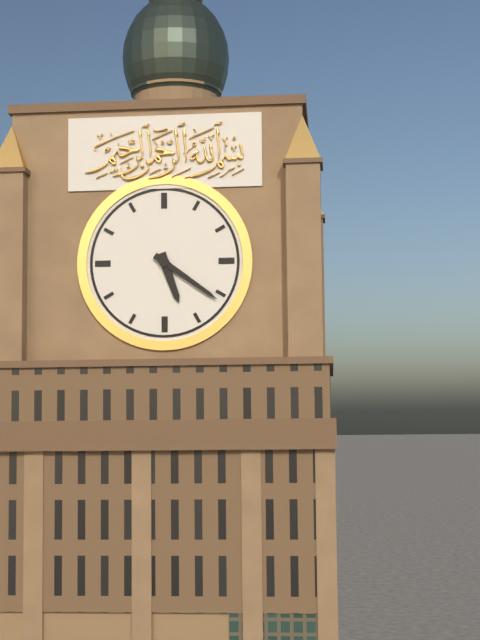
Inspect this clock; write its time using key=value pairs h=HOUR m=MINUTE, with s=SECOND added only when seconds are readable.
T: h=5 m=21
